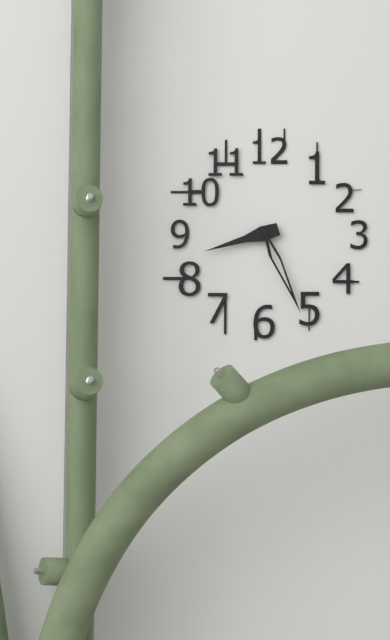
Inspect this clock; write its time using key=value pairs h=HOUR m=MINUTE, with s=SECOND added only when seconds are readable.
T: h=8 m=26
